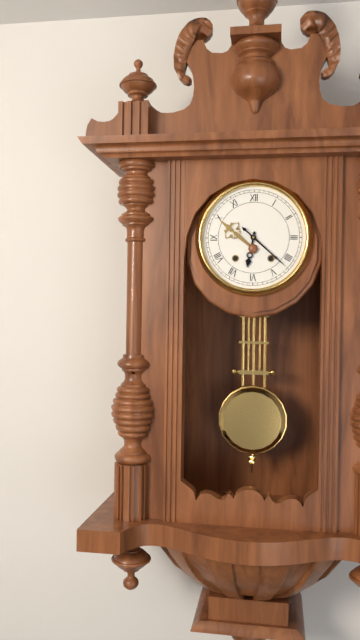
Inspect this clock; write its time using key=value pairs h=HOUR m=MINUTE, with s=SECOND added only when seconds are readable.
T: h=6 m=22
